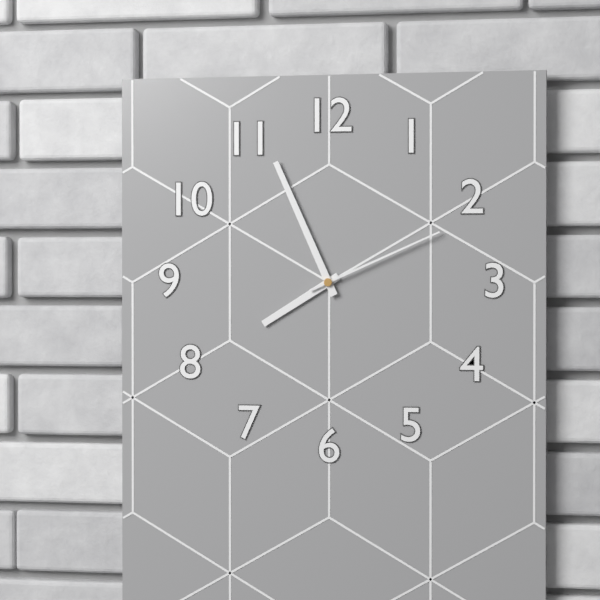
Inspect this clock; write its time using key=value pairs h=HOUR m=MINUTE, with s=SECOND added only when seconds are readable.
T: h=7 m=56 s=11
